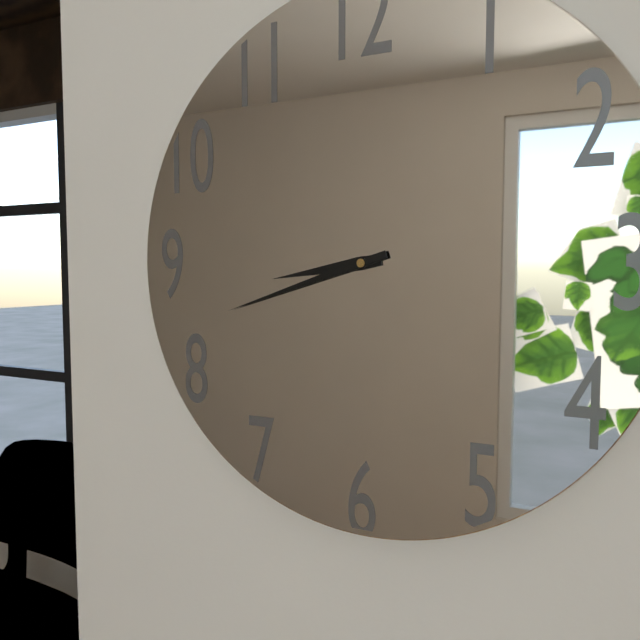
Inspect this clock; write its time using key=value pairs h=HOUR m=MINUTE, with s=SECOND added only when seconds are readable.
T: h=8 m=42
